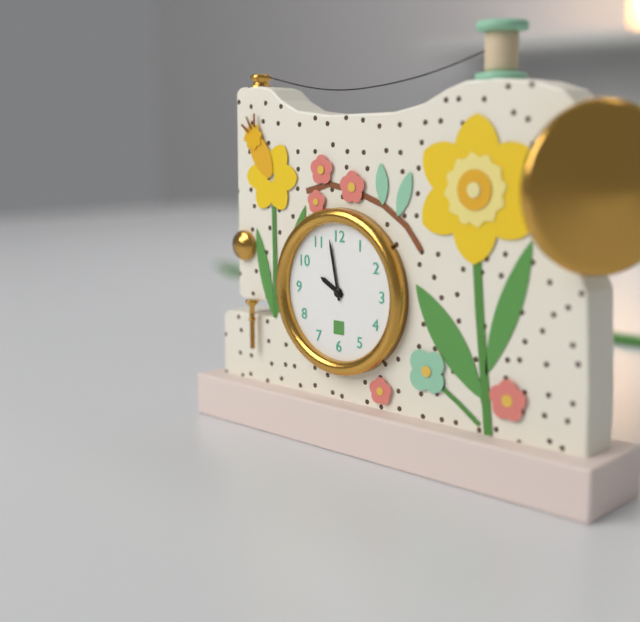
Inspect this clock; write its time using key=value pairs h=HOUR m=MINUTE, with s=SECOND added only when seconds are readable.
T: h=9 m=58
